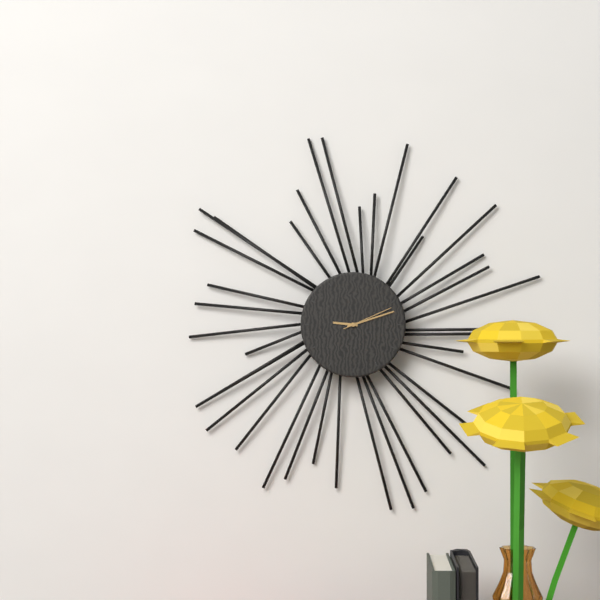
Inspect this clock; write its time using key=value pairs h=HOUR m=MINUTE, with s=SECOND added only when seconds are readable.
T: h=9 m=12 s=11
